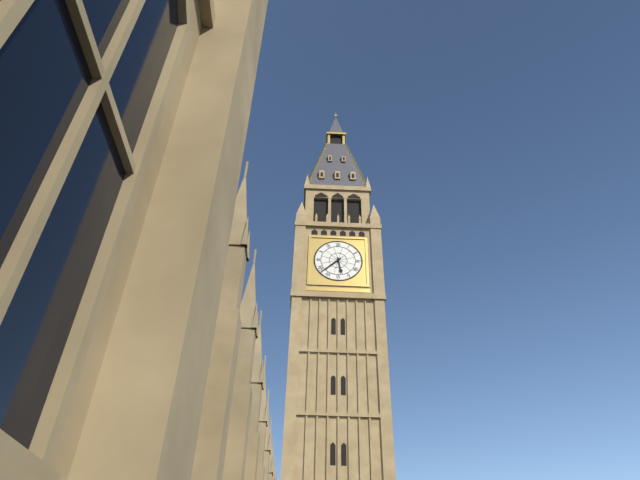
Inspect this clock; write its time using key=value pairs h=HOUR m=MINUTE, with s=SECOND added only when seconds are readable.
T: h=5 m=38
